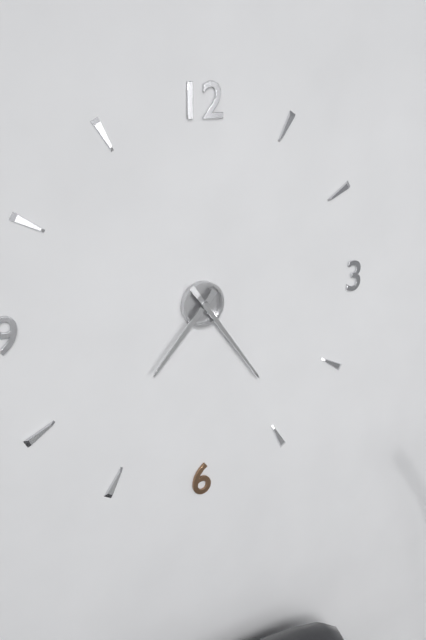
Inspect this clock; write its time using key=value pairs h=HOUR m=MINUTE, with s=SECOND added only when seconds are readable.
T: h=7 m=24
